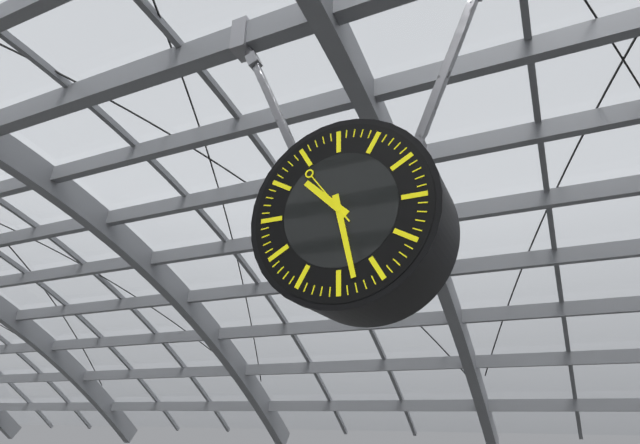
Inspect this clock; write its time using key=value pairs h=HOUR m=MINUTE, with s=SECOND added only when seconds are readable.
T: h=10 m=28 s=54
